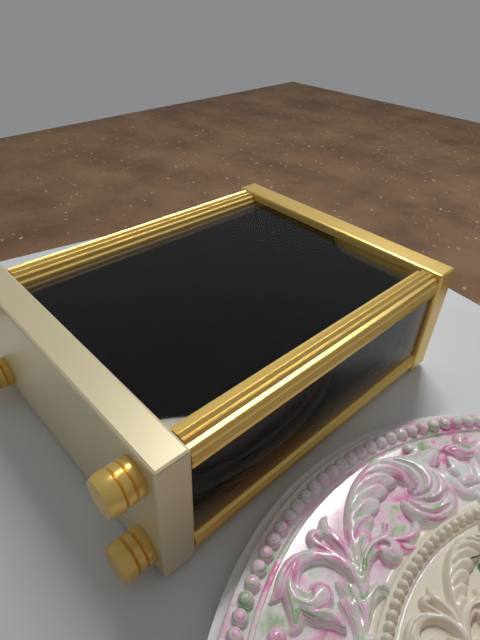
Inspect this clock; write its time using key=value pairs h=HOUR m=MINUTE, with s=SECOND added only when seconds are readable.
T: h=8 m=59
